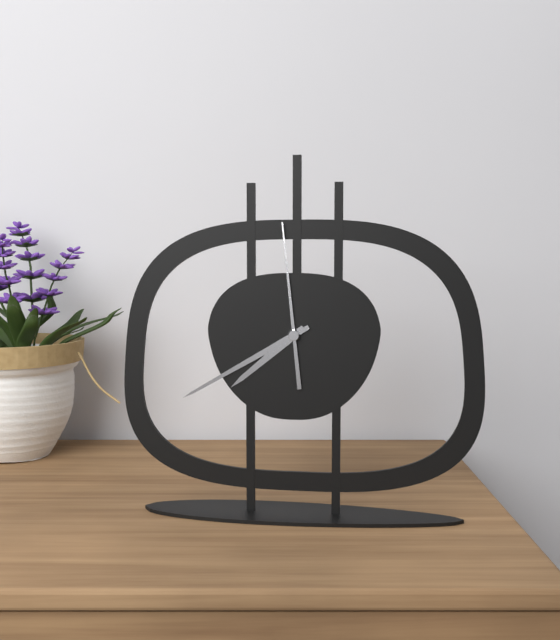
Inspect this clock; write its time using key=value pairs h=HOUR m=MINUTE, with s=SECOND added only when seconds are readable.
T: h=7 m=40 s=59
